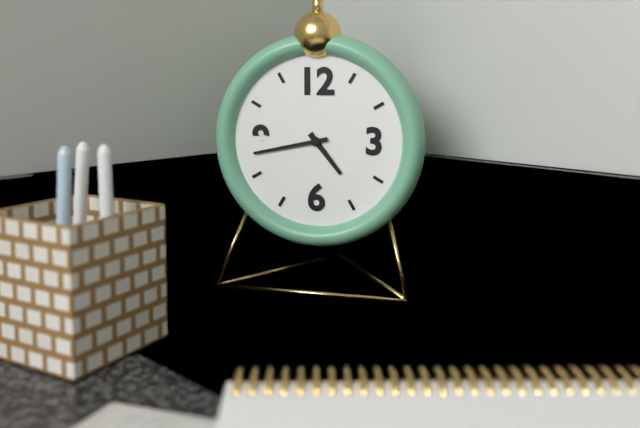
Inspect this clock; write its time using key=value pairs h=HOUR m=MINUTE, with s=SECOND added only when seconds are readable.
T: h=4 m=43
